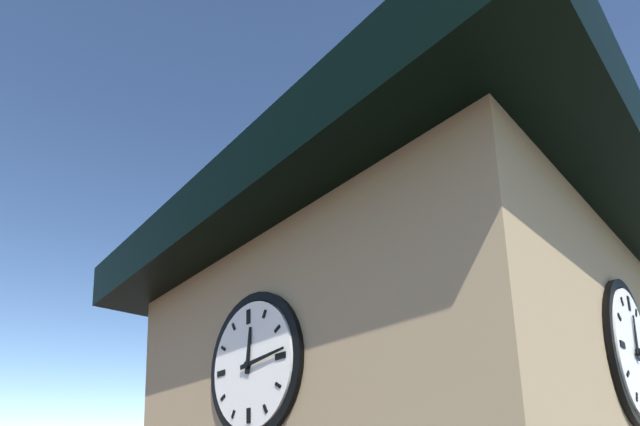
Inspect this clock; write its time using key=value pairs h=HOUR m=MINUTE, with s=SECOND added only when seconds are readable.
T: h=12 m=14
